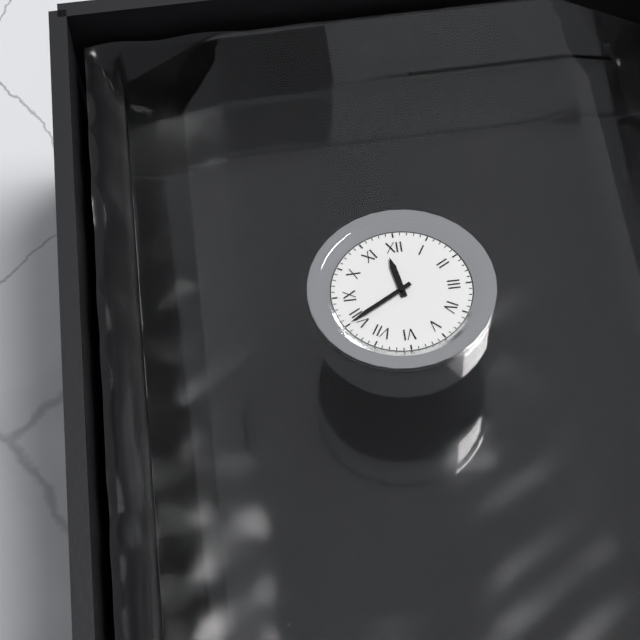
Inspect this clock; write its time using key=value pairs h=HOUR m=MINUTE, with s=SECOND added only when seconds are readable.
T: h=11 m=40
